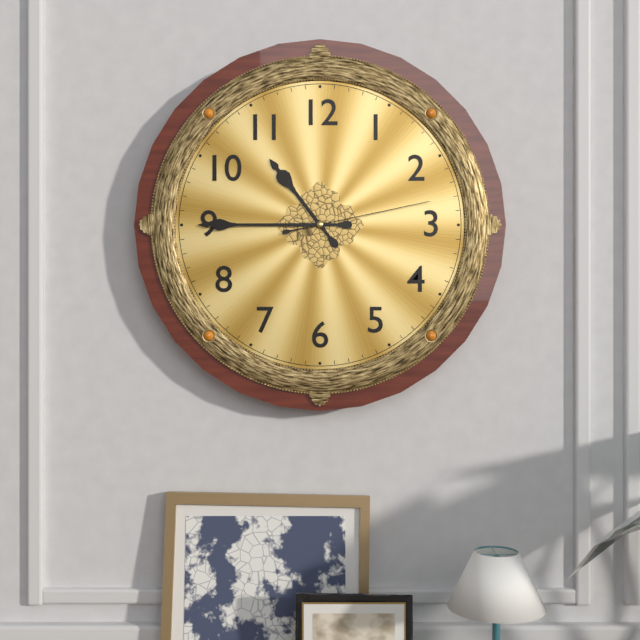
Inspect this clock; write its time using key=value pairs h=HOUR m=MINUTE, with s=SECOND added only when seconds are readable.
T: h=10 m=45 s=13
